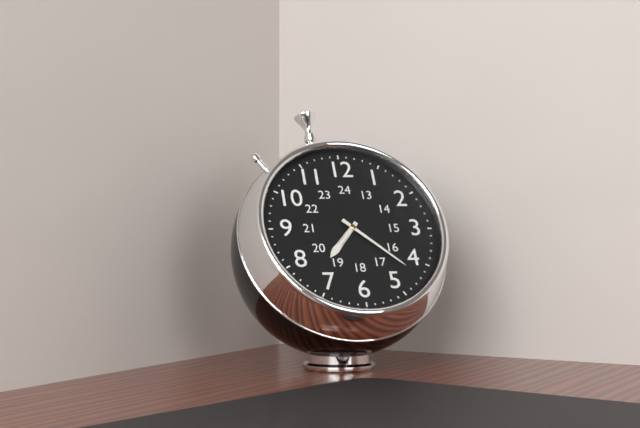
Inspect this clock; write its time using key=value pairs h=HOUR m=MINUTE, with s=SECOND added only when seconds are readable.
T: h=7 m=22
